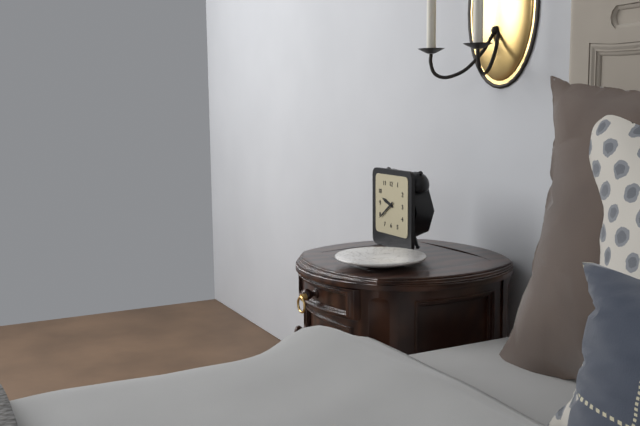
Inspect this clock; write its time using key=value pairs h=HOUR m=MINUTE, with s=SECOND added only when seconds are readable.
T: h=9 m=39
